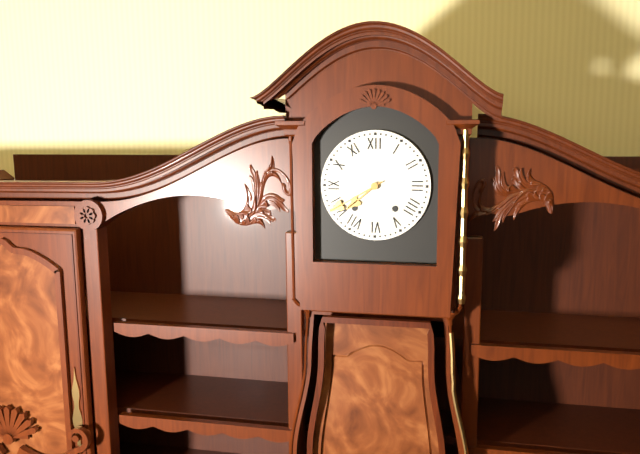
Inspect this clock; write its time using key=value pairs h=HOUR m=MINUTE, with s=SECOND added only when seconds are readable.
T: h=7 m=40
